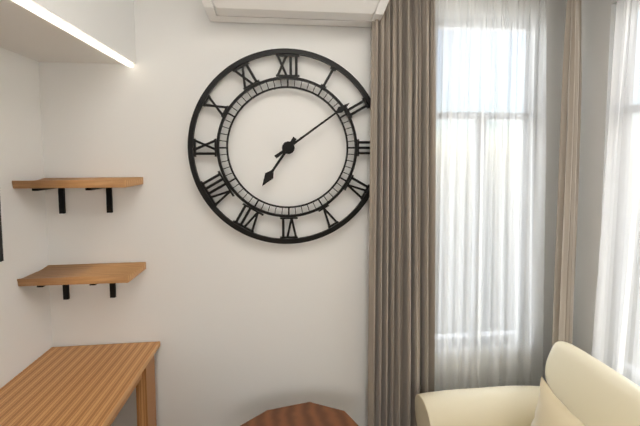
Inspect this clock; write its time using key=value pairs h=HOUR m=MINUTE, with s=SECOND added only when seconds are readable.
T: h=7 m=9
